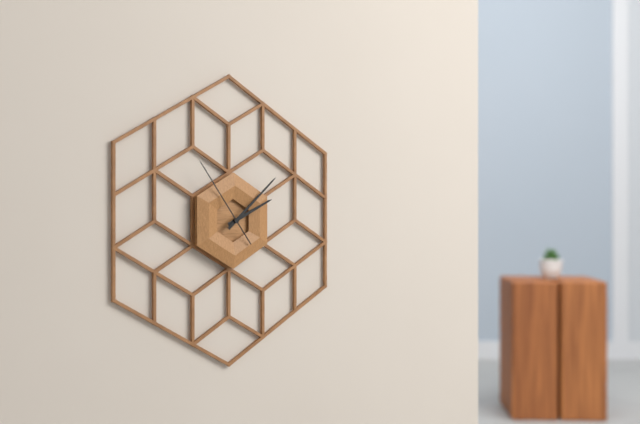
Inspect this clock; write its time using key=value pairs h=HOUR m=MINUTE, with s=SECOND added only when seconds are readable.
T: h=2 m=8 s=54
